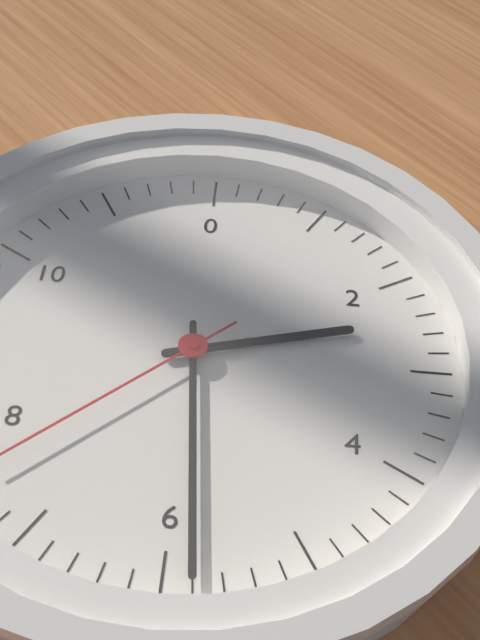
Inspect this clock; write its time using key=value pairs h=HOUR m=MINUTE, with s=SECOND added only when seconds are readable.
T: h=2 m=29
